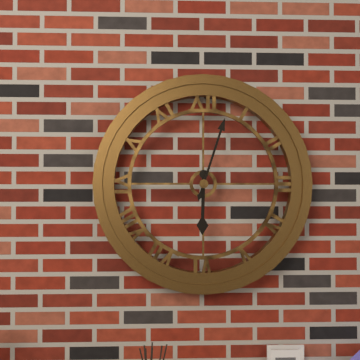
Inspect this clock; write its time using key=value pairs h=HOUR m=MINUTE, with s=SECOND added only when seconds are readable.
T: h=6 m=3
